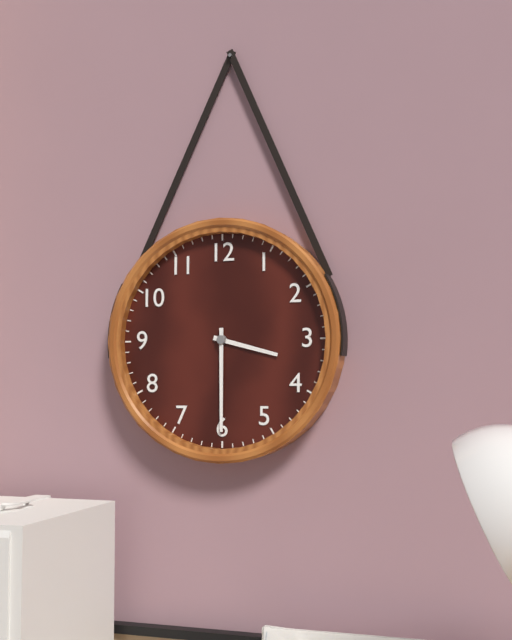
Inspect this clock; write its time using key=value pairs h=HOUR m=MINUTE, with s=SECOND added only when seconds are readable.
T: h=3 m=30
